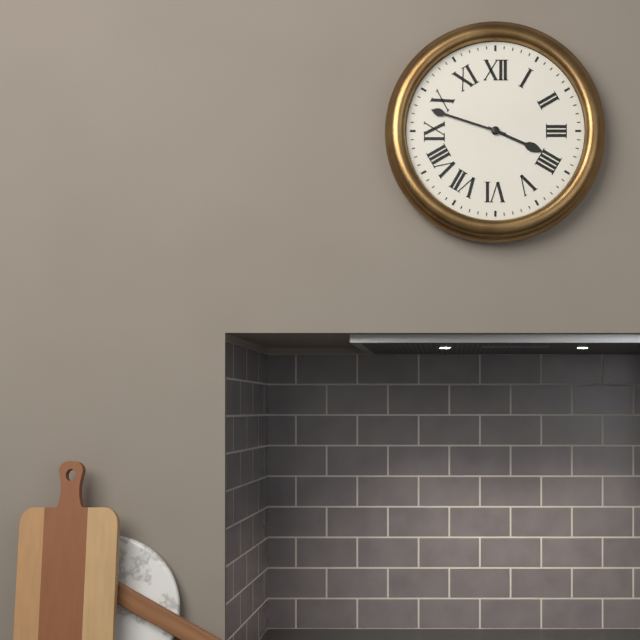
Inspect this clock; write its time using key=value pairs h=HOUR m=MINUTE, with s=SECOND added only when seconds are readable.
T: h=3 m=48
